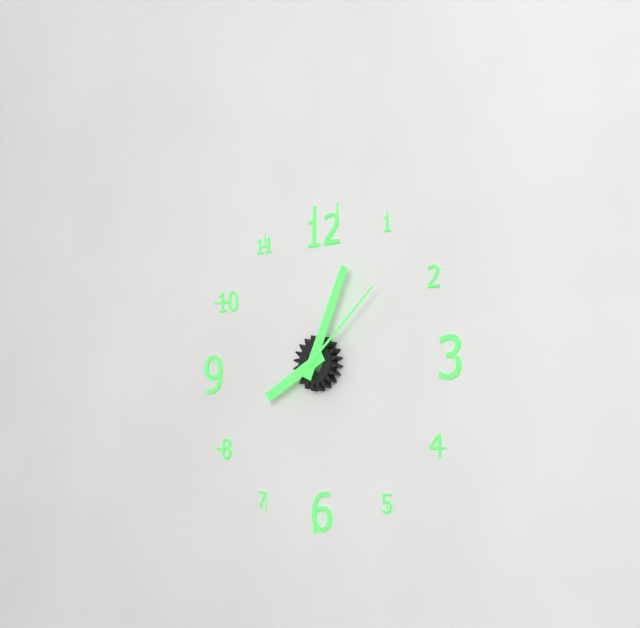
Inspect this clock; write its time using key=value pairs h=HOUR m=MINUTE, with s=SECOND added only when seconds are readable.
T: h=8 m=4 s=8
